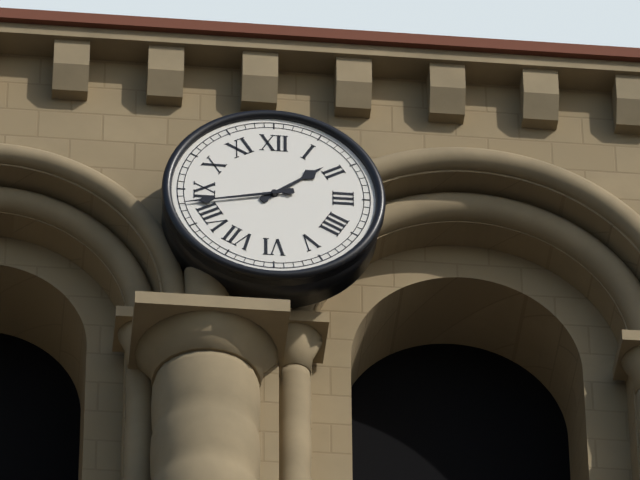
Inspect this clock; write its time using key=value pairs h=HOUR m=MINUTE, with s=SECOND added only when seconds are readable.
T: h=1 m=43
